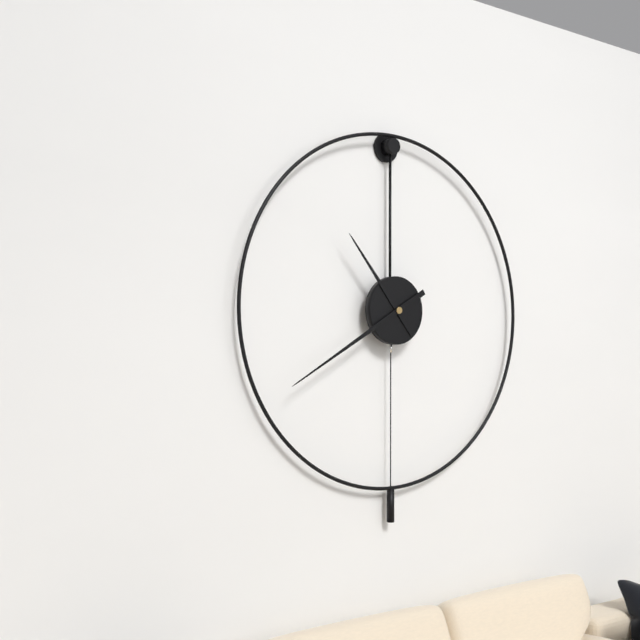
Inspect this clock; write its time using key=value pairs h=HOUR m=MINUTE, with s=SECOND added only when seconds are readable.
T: h=10 m=40
